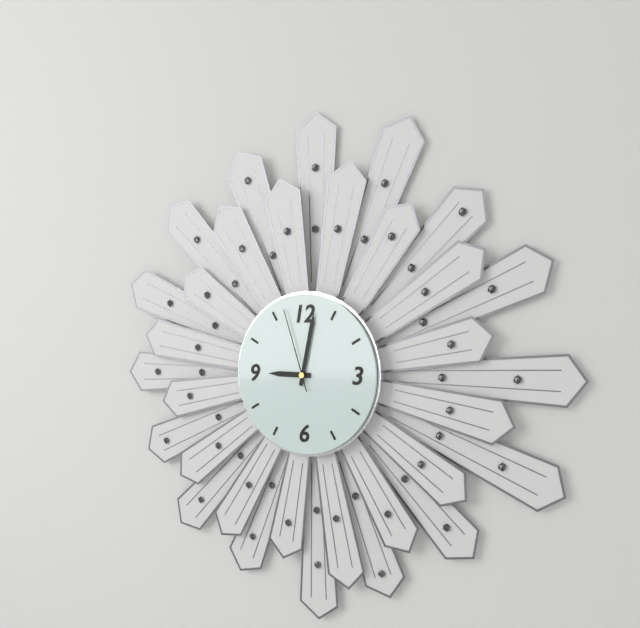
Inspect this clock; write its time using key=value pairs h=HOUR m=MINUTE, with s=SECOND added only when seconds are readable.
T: h=9 m=2 s=57
